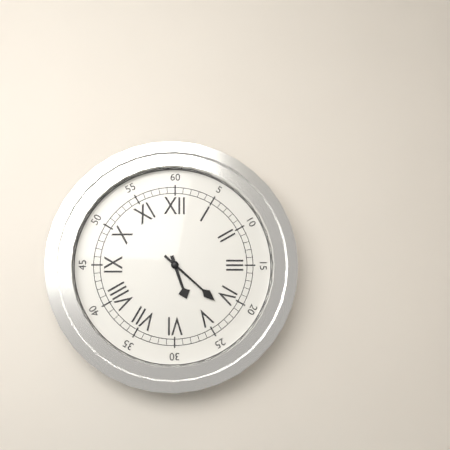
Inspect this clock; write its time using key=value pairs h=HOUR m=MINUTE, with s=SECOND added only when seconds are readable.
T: h=5 m=22
